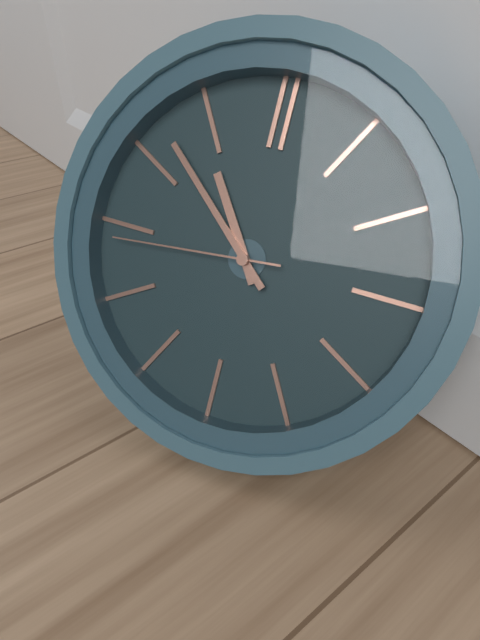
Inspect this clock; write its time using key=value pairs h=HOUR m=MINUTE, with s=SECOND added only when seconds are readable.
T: h=10 m=52 s=44
